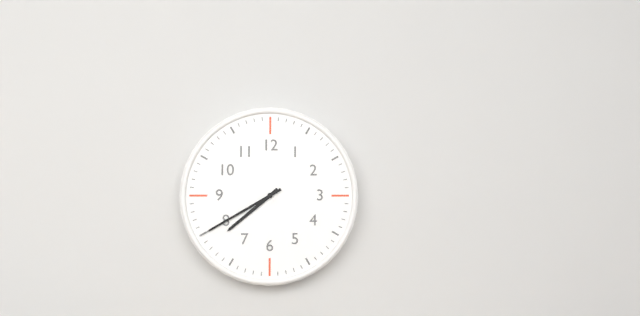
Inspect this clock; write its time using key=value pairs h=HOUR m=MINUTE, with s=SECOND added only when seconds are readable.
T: h=7 m=40
